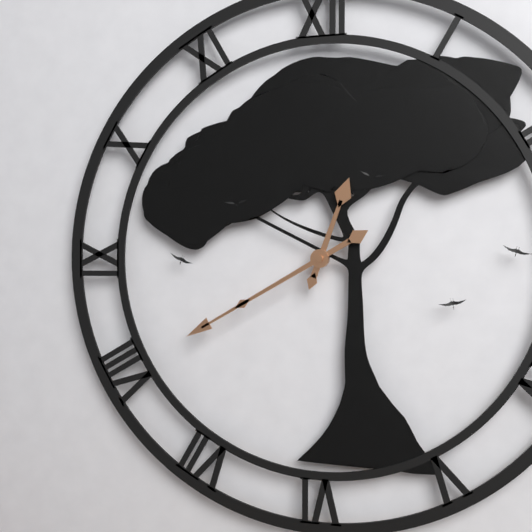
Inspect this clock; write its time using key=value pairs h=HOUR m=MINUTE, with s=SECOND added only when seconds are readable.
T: h=12 m=40
